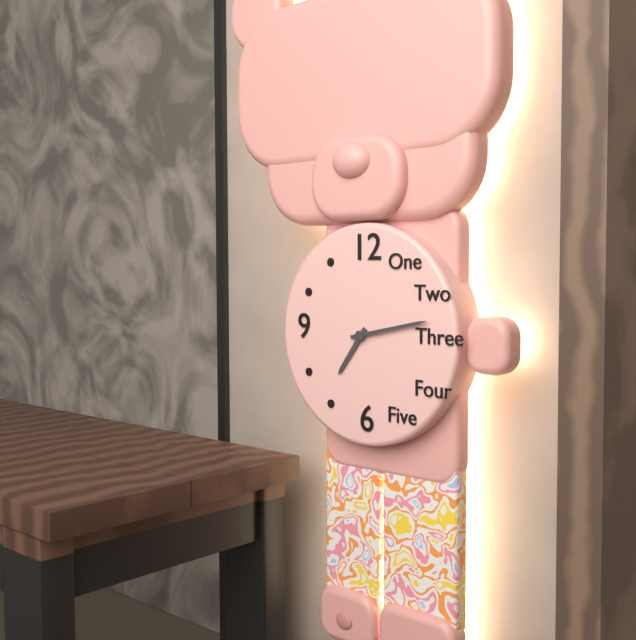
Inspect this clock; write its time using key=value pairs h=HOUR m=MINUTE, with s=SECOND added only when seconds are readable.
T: h=7 m=13
